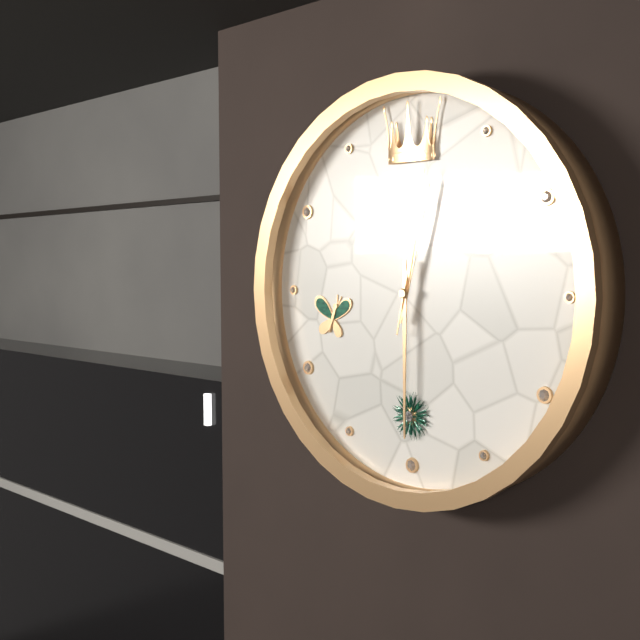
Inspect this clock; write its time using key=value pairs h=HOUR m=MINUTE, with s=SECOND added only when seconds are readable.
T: h=12 m=30 s=2
